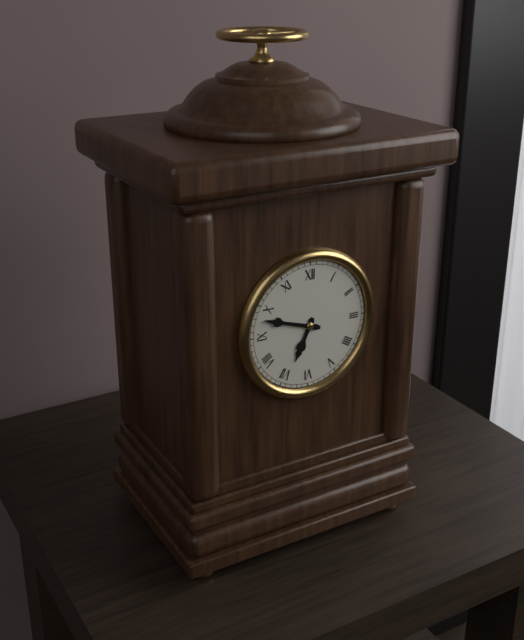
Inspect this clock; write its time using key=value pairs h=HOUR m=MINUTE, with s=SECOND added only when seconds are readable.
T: h=6 m=48
